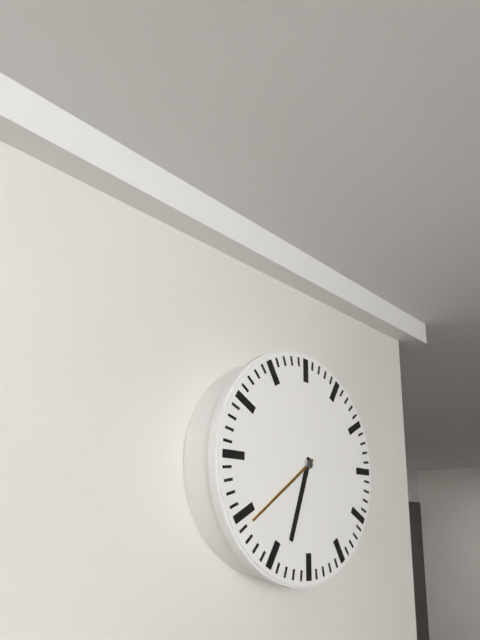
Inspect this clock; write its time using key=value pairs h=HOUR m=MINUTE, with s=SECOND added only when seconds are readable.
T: h=6 m=39
